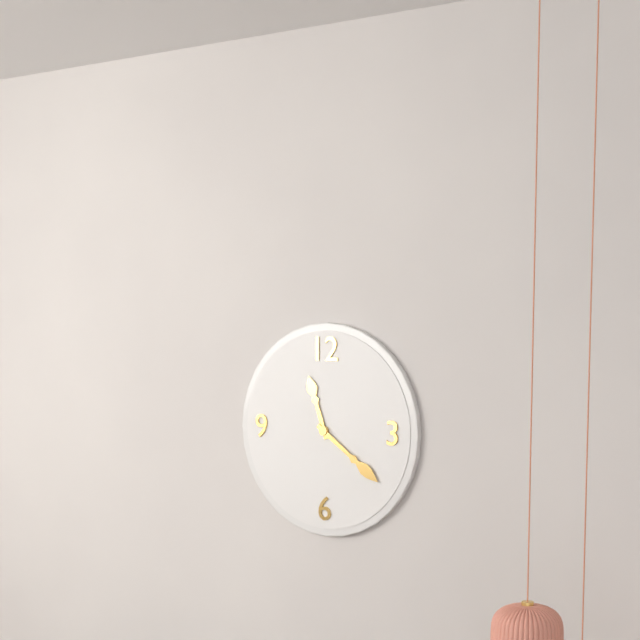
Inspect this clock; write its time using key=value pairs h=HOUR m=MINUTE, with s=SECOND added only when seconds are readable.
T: h=11 m=21
